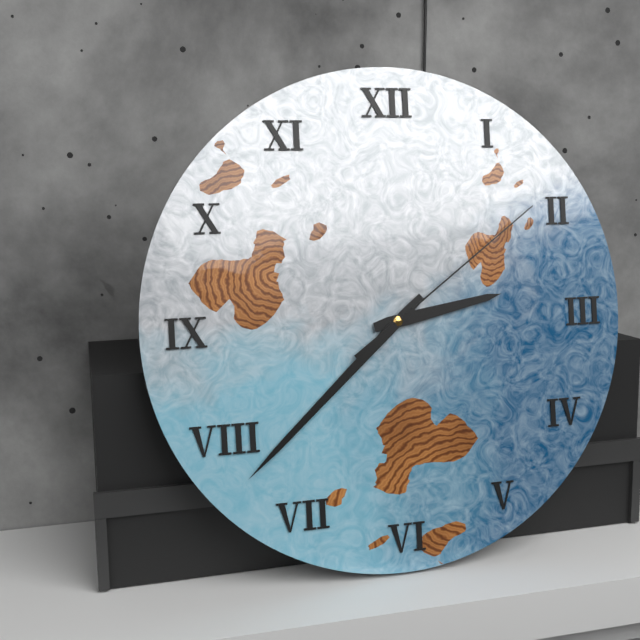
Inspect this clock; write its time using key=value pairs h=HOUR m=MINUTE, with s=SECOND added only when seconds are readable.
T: h=2 m=38 s=9
